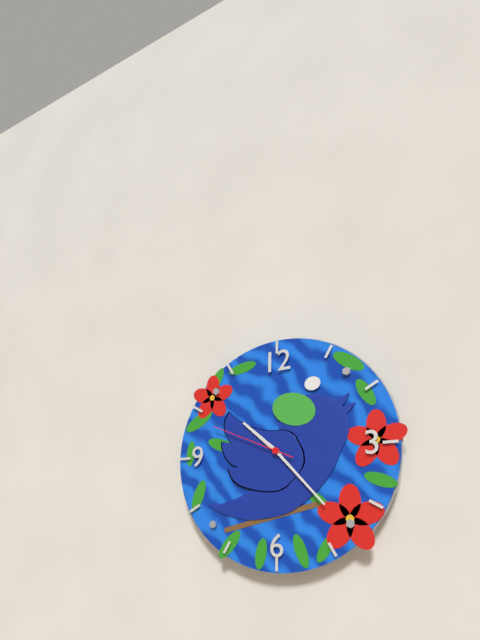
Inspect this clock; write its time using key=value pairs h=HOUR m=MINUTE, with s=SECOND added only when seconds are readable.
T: h=10 m=23 s=49
